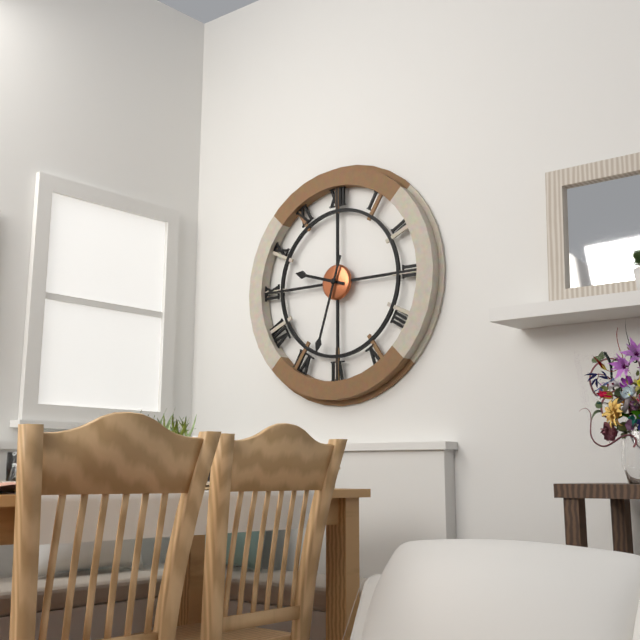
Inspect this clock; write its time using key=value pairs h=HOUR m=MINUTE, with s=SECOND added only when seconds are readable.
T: h=9 m=33
